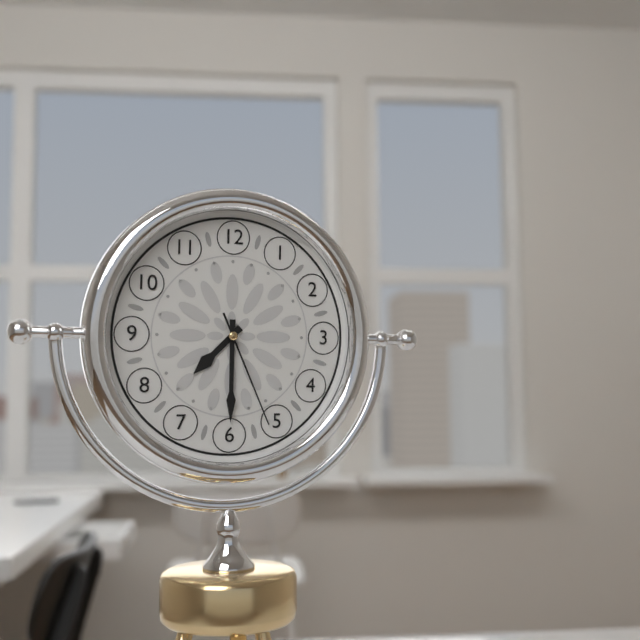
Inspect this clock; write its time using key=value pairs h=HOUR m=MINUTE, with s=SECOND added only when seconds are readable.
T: h=7 m=30 s=26
